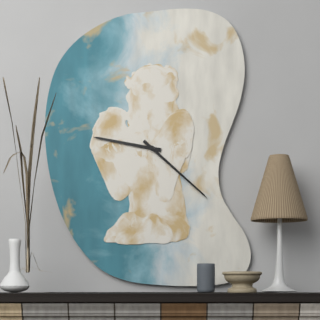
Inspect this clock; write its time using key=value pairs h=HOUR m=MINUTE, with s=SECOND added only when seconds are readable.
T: h=9 m=22
